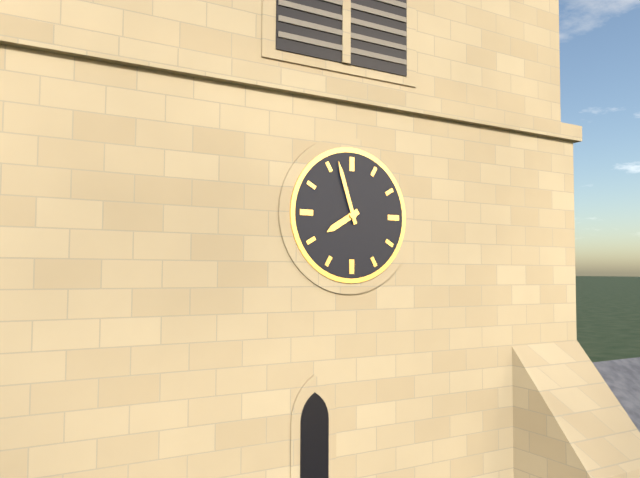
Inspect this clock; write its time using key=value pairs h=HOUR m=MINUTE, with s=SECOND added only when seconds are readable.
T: h=7 m=57
